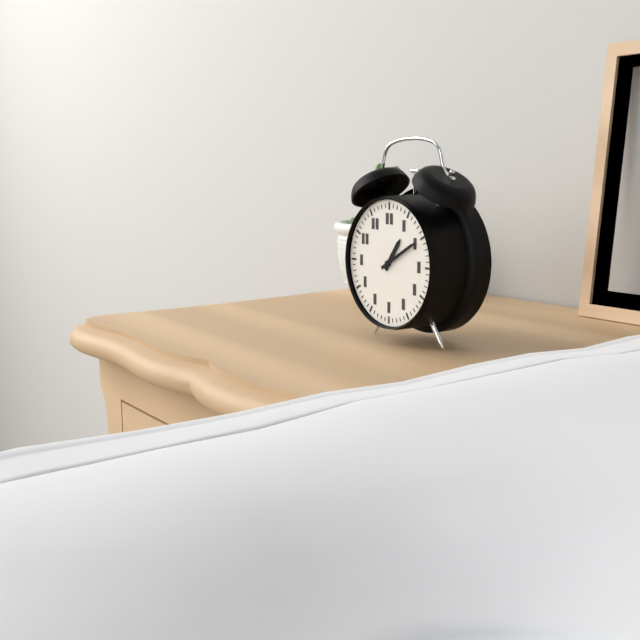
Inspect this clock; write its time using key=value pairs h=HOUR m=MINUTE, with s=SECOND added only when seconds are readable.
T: h=1 m=10
